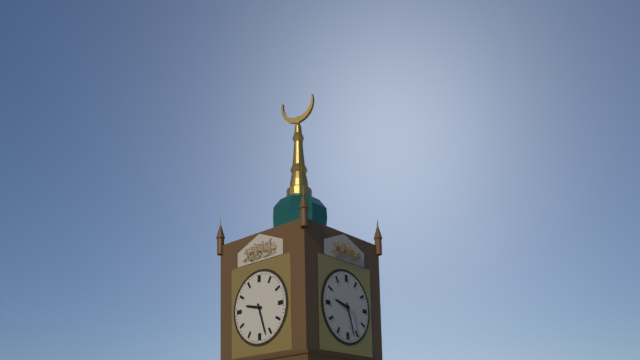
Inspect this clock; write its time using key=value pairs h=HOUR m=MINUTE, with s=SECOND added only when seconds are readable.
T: h=9 m=27
